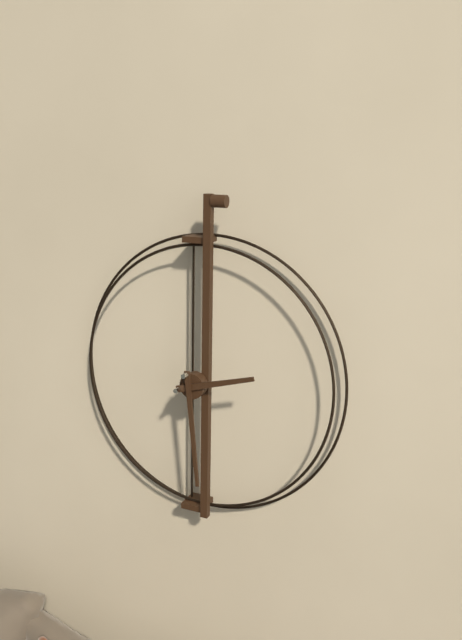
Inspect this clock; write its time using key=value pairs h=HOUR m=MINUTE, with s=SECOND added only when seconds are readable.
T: h=2 m=29
